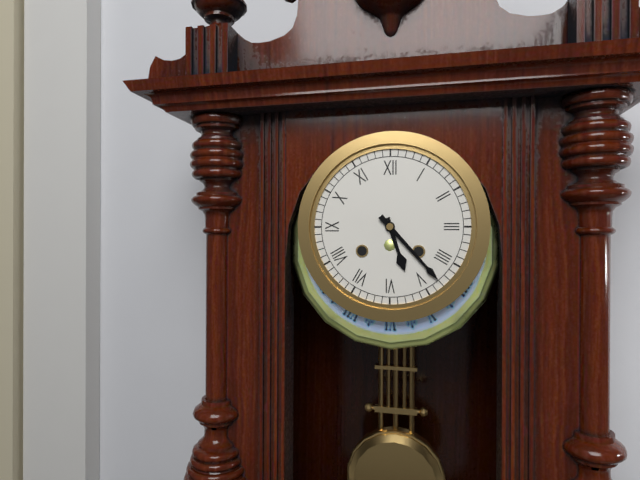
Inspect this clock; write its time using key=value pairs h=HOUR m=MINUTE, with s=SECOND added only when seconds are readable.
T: h=5 m=23
